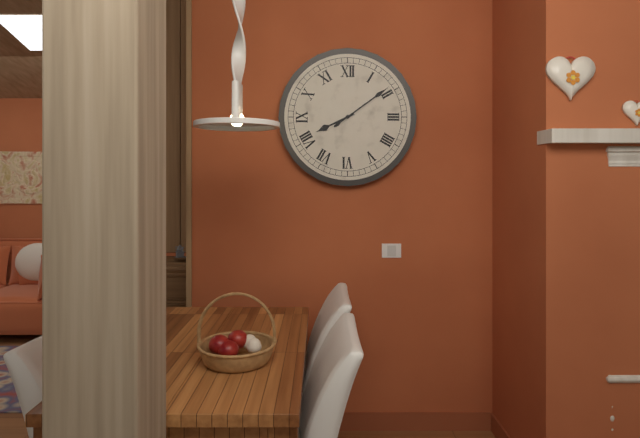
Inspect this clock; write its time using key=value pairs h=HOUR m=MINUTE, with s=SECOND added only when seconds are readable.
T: h=8 m=9
